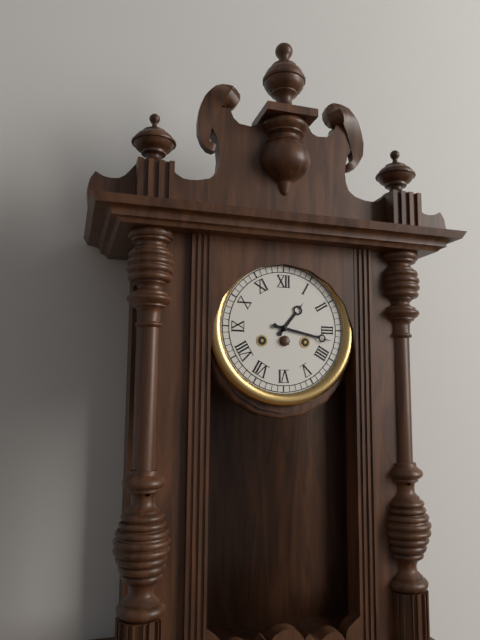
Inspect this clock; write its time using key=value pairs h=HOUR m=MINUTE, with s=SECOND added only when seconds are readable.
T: h=1 m=17
